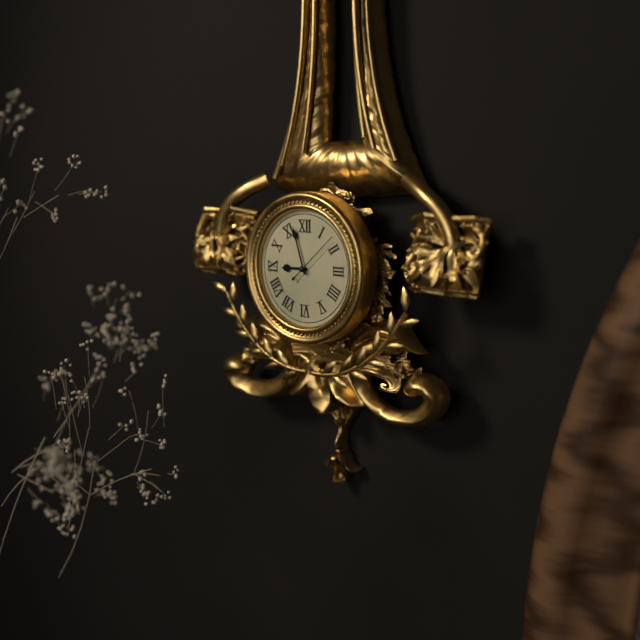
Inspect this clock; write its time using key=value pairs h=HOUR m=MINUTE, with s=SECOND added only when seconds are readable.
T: h=8 m=57 s=8
